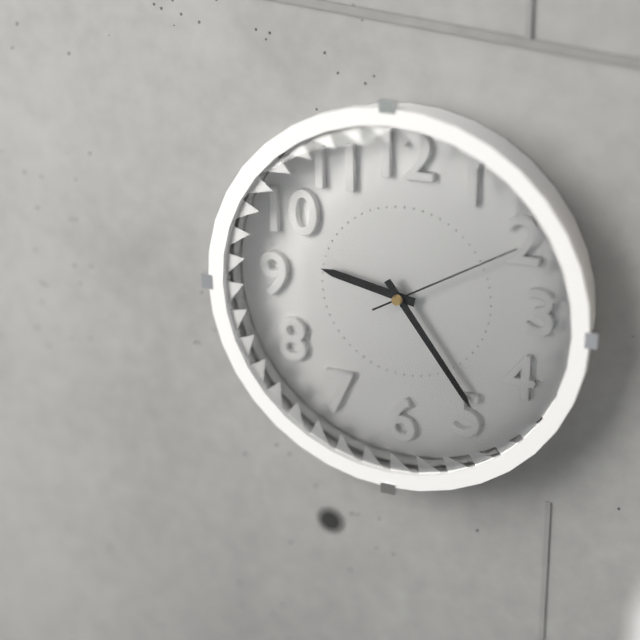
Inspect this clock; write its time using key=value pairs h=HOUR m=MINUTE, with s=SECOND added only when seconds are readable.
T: h=9 m=24 s=10
